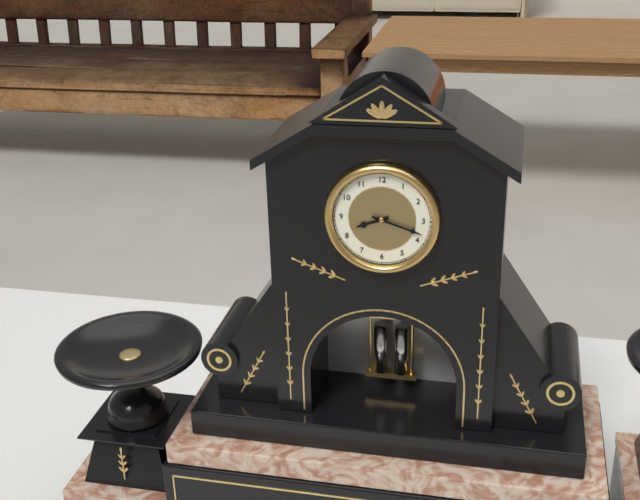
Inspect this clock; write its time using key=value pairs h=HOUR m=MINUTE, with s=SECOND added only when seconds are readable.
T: h=8 m=18
